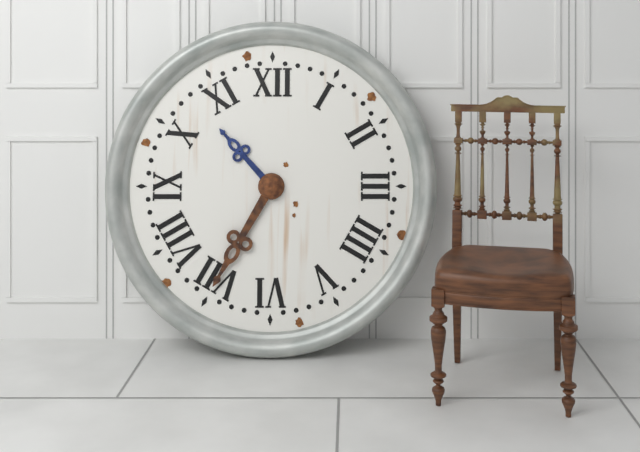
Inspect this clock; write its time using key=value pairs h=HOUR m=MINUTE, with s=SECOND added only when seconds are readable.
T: h=10 m=35
